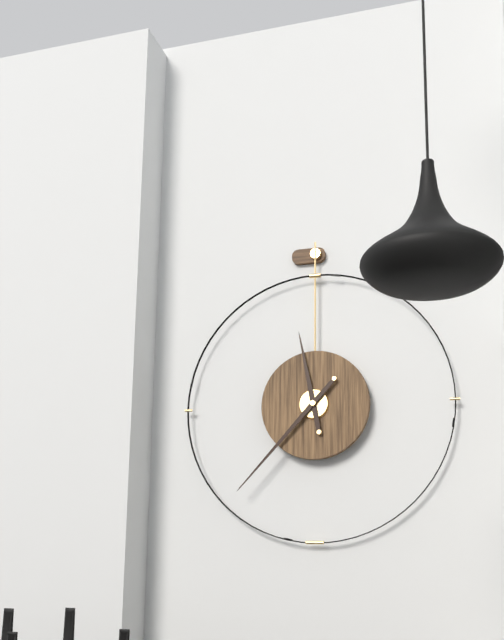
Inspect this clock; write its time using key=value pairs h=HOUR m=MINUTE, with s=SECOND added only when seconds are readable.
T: h=11 m=37
